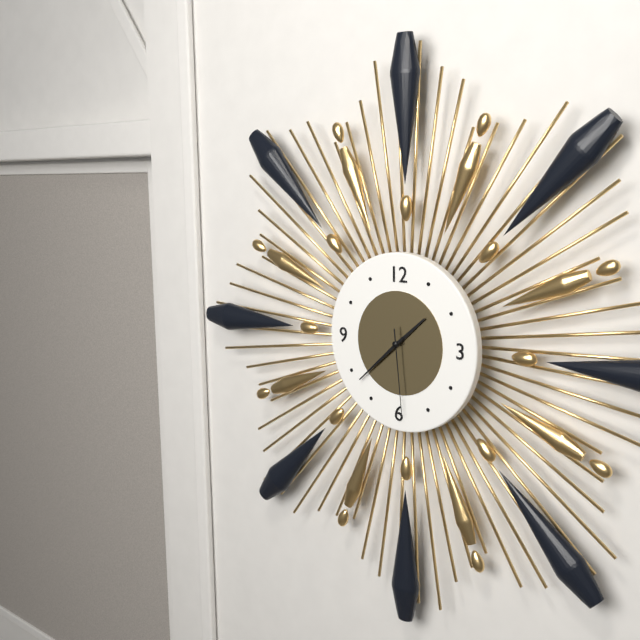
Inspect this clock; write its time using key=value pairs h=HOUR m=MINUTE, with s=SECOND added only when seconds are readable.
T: h=1 m=38 s=29
